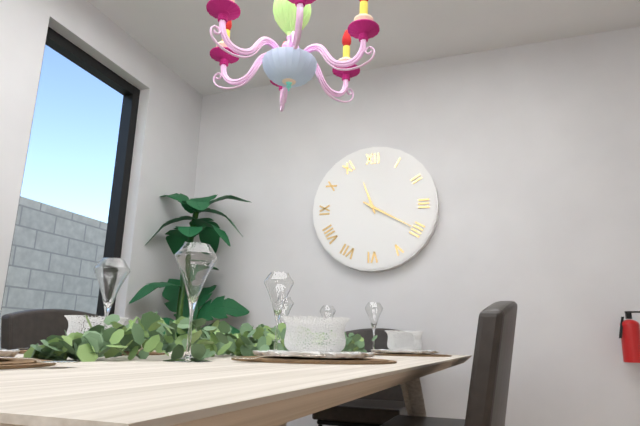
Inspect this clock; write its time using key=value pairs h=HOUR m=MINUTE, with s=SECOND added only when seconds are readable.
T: h=11 m=20
